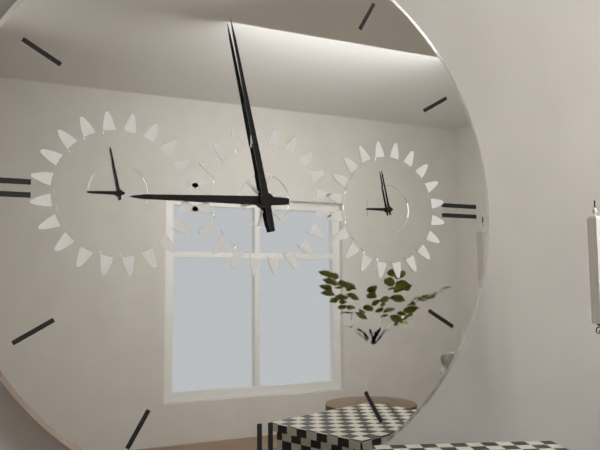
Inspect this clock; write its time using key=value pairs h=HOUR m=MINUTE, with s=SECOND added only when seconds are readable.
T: h=8 m=58
